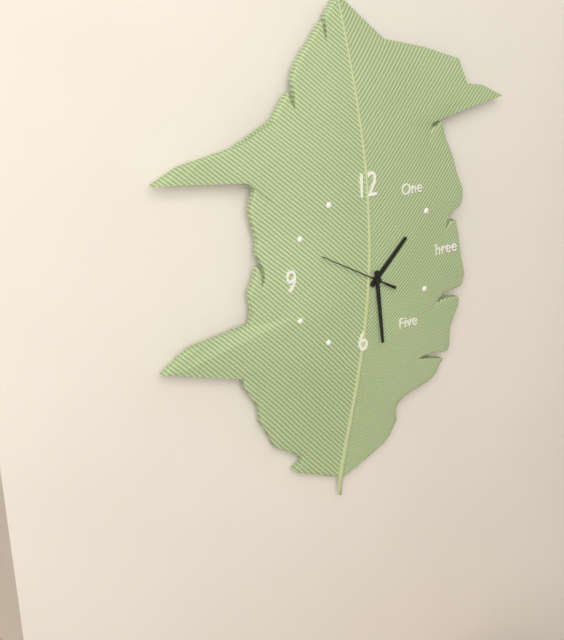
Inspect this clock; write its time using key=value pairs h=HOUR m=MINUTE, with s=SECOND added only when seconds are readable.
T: h=1 m=29 s=50
